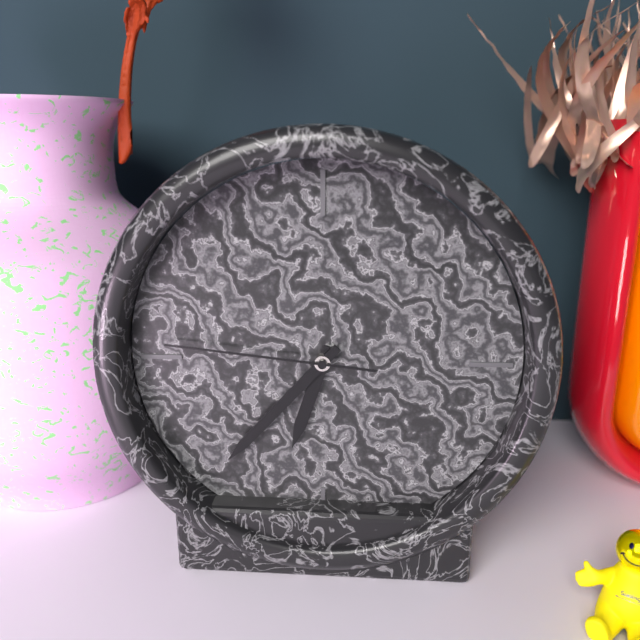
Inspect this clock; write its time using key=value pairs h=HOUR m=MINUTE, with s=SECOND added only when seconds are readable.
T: h=6 m=37 s=46
